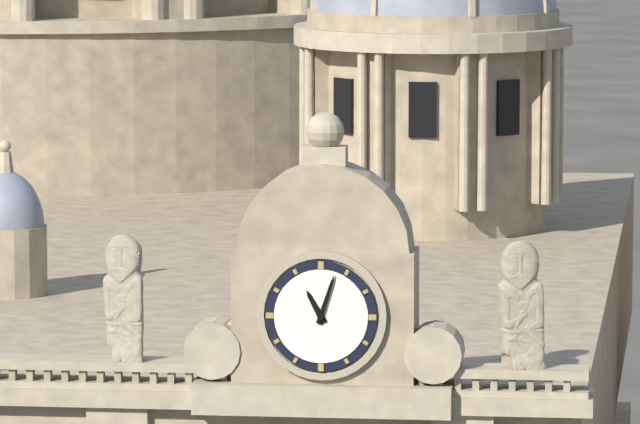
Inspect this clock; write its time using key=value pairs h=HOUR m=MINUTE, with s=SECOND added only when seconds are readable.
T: h=11 m=3
